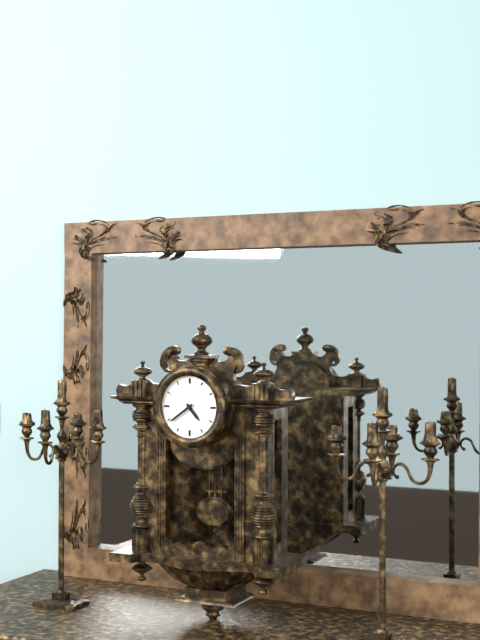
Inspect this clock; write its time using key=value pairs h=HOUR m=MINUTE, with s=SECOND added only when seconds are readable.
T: h=4 m=39
